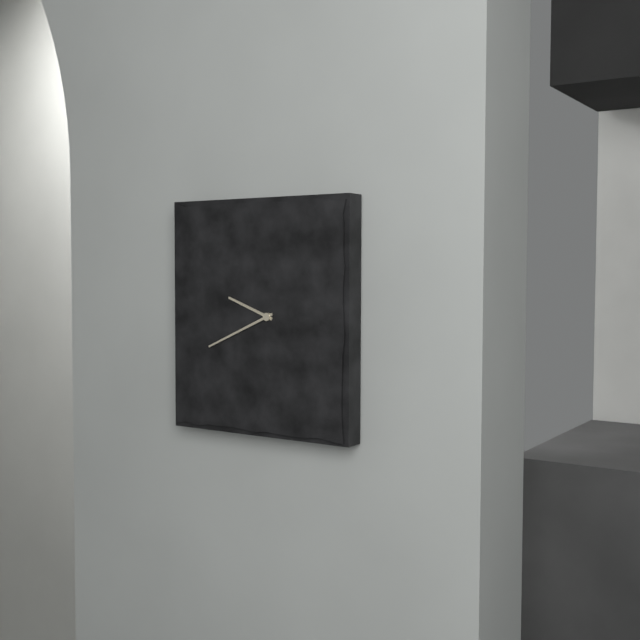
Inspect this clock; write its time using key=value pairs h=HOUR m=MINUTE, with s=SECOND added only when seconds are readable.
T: h=9 m=41
